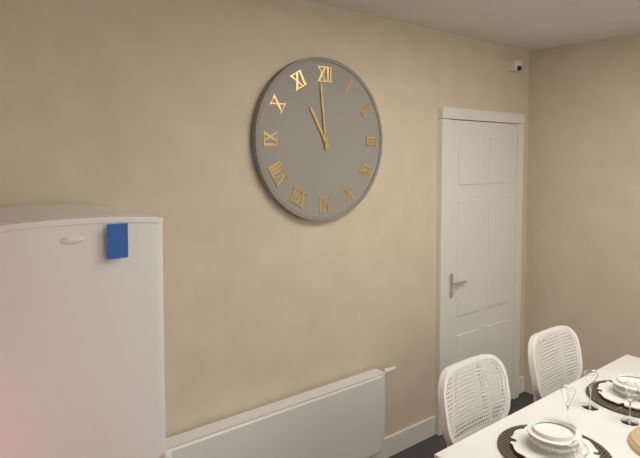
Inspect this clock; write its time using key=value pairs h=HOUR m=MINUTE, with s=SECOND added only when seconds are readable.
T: h=10 m=59
